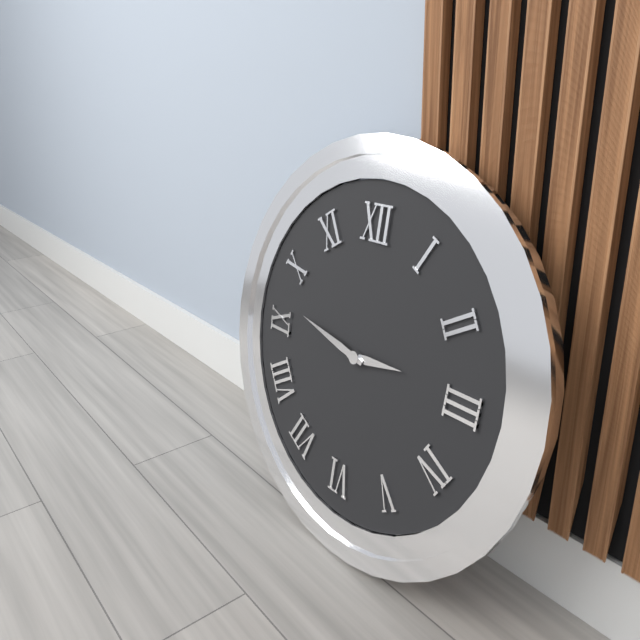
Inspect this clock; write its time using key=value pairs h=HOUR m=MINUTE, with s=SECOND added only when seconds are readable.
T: h=2 m=47
